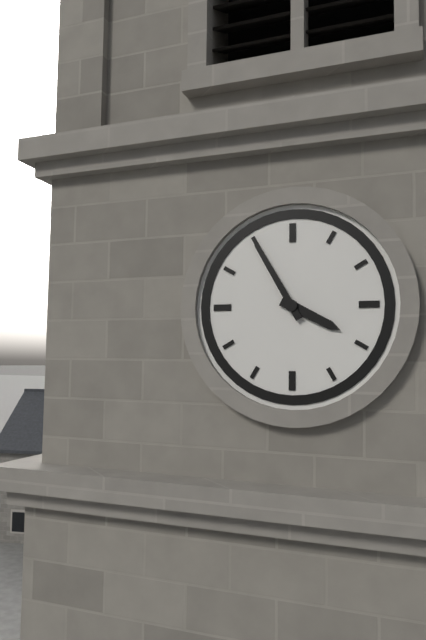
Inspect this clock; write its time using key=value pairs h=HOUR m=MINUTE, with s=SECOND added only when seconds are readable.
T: h=3 m=55
